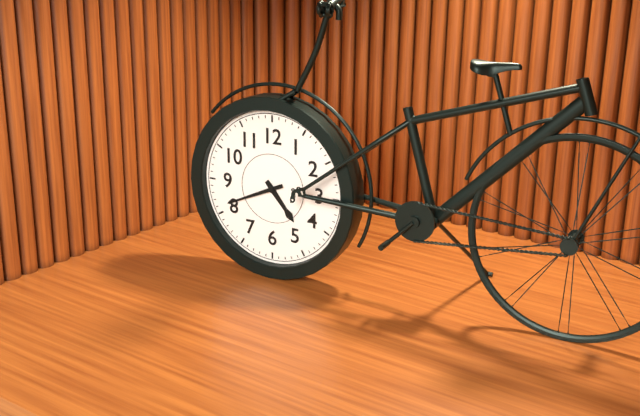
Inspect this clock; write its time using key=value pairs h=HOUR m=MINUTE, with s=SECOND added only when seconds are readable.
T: h=4 m=41
